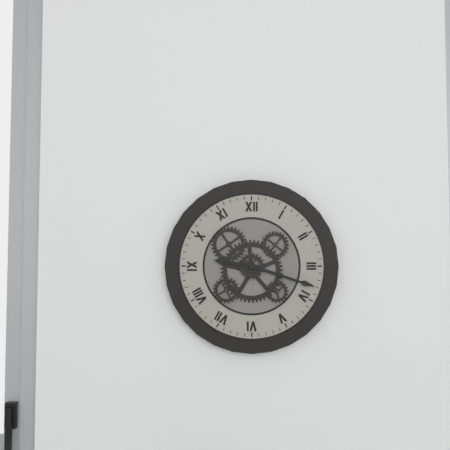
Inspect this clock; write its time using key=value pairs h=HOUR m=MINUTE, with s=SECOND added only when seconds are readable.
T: h=9 m=18
